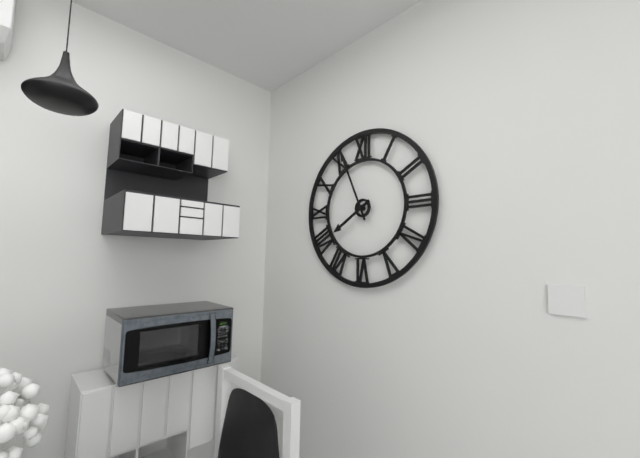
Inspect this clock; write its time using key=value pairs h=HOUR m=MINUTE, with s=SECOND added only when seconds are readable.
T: h=7 m=56
